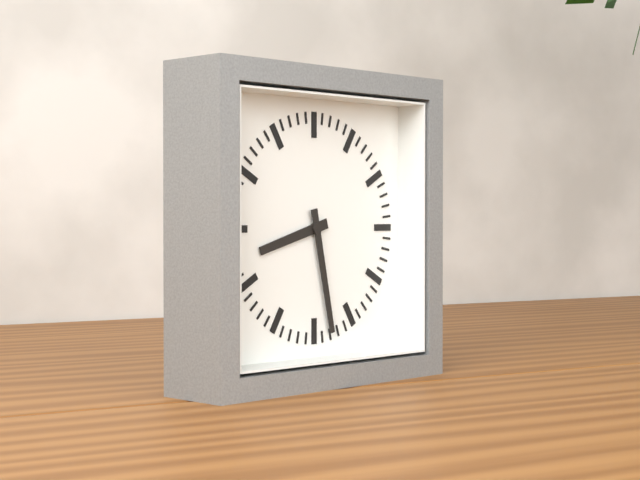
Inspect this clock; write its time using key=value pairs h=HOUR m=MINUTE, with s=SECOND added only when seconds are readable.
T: h=8 m=28
